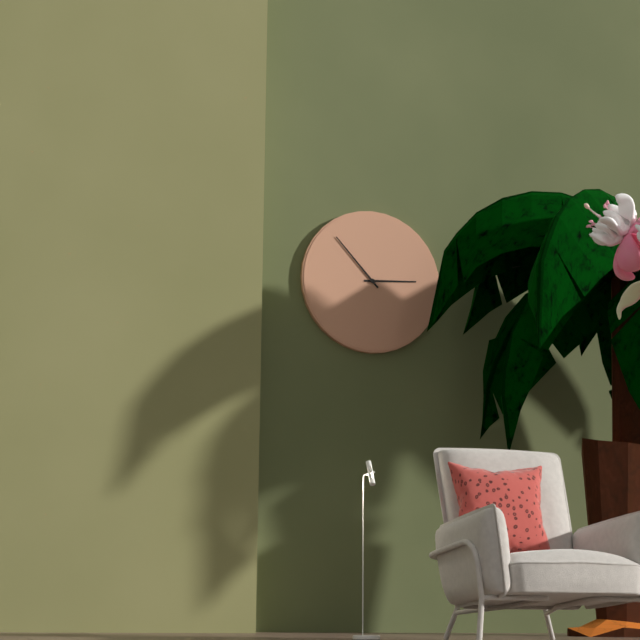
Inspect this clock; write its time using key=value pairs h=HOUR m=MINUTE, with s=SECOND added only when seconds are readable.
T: h=2 m=53
